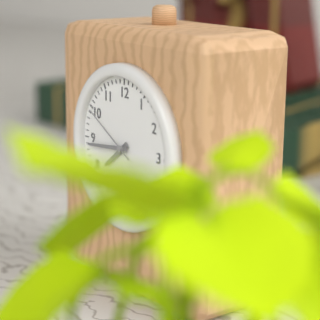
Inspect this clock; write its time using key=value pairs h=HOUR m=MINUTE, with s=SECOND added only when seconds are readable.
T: h=7 m=44 s=50
